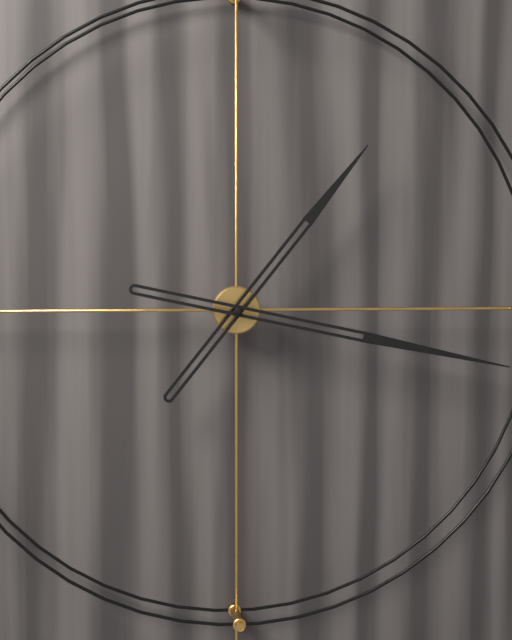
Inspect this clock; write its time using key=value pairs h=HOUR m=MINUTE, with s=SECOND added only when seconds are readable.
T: h=1 m=17
